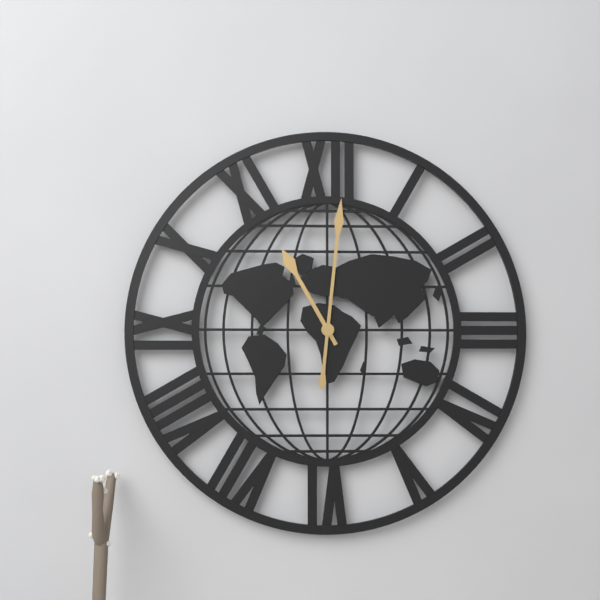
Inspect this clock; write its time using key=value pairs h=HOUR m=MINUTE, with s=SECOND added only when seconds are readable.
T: h=11 m=1
